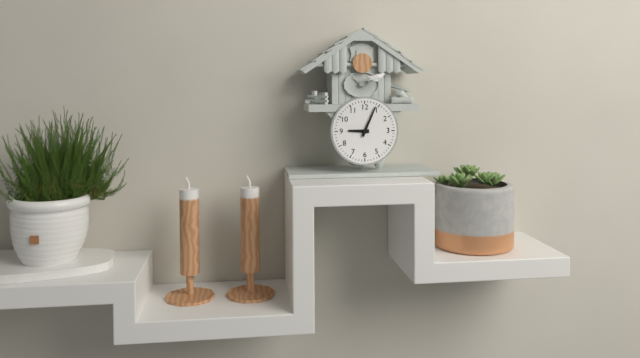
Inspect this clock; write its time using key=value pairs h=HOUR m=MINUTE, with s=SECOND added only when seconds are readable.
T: h=9 m=4
